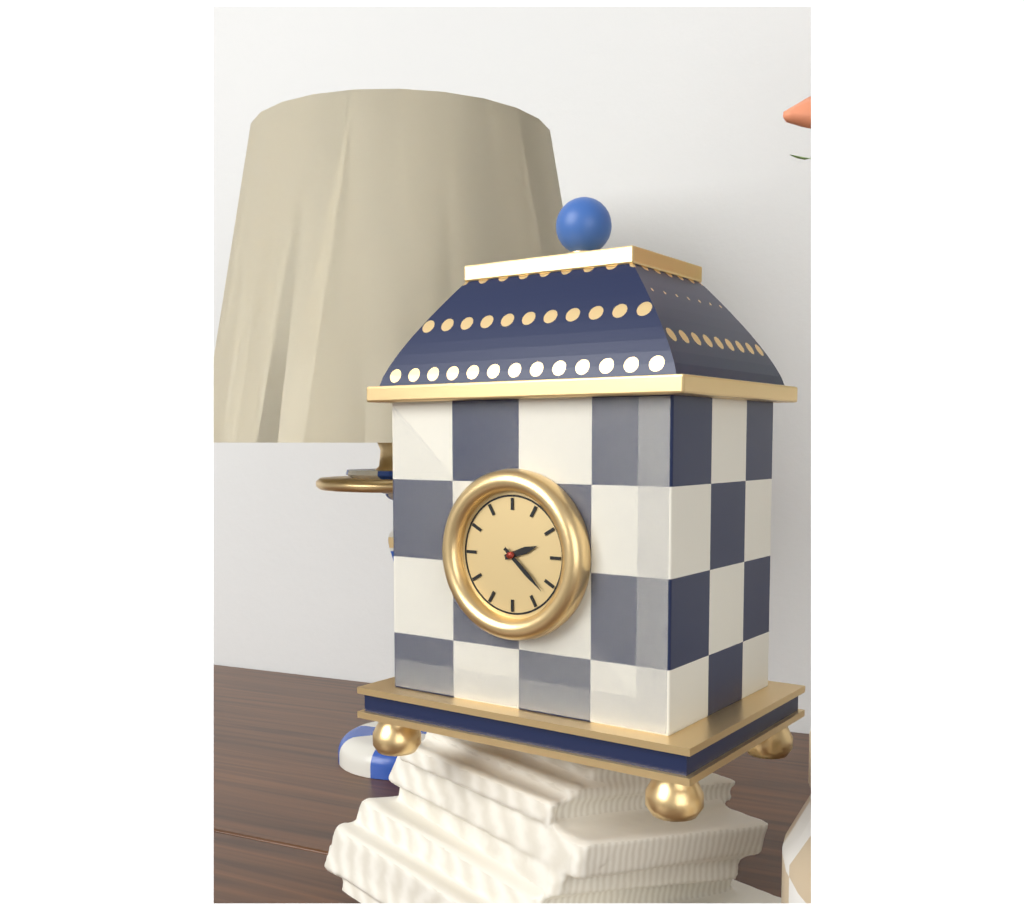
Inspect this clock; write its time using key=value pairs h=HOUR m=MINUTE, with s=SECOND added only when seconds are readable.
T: h=2 m=22
